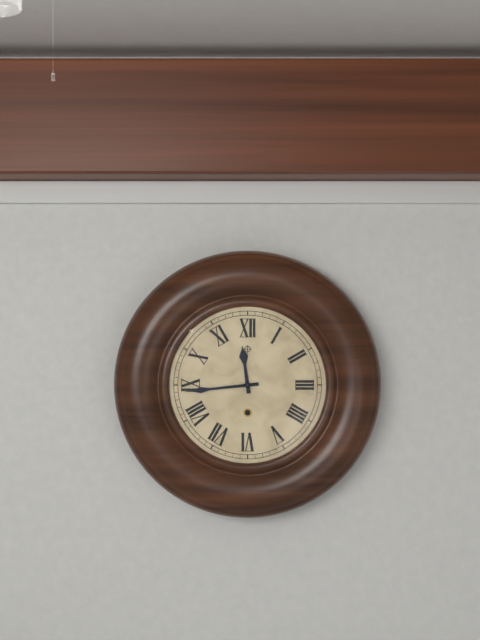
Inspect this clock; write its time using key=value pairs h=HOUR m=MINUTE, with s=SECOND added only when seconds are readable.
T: h=11 m=44
